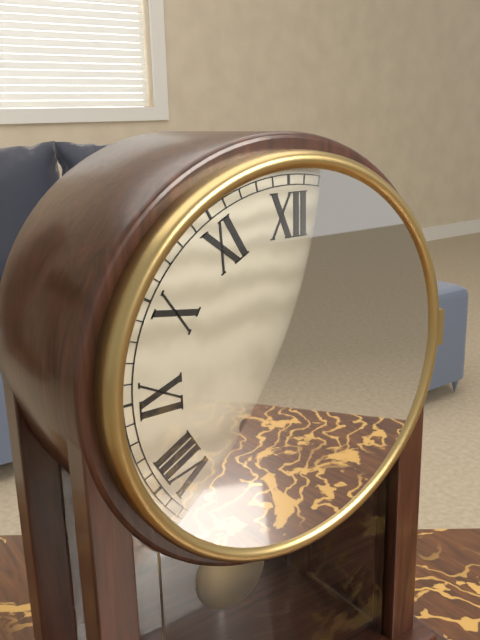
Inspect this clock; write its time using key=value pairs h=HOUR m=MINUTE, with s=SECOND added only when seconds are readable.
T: h=3 m=3
